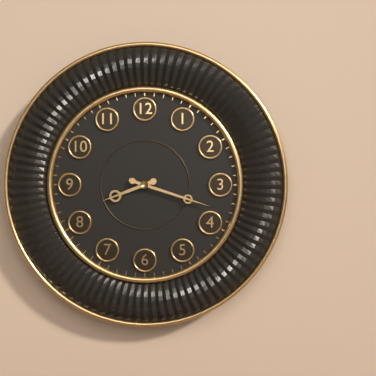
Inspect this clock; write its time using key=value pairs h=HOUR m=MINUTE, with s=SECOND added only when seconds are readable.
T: h=8 m=18
